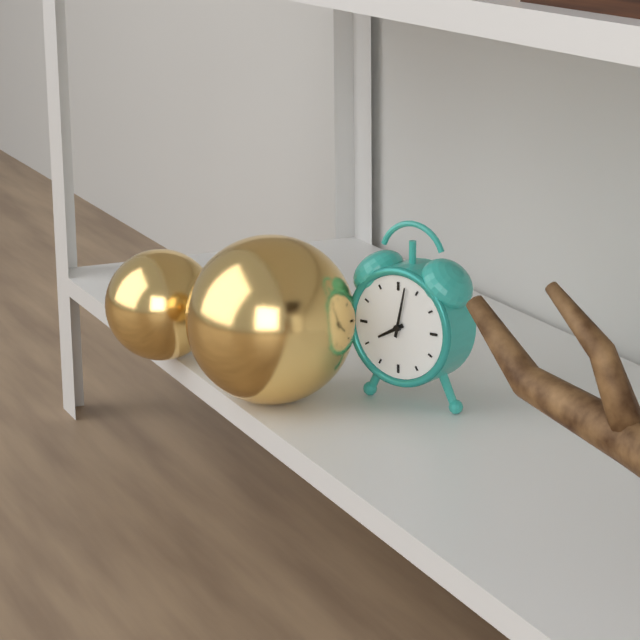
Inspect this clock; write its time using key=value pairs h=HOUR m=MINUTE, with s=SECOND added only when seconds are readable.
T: h=8 m=2
